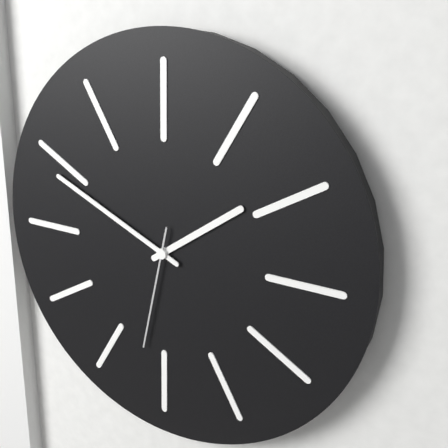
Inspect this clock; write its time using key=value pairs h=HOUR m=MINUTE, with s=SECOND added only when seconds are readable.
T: h=1 m=49 s=32
